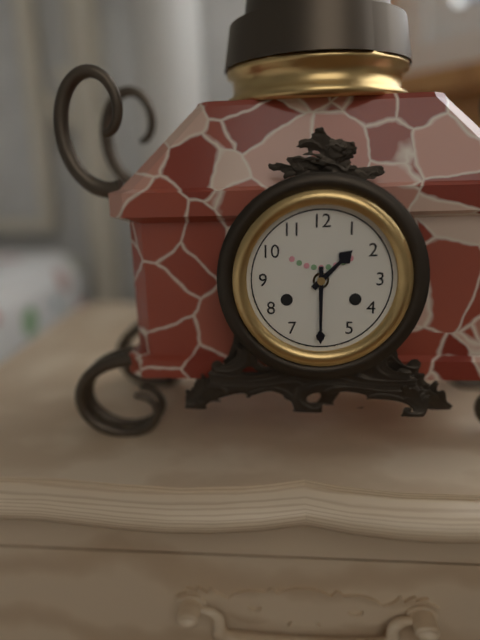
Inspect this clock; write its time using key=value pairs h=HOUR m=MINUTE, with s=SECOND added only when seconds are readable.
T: h=1 m=30
